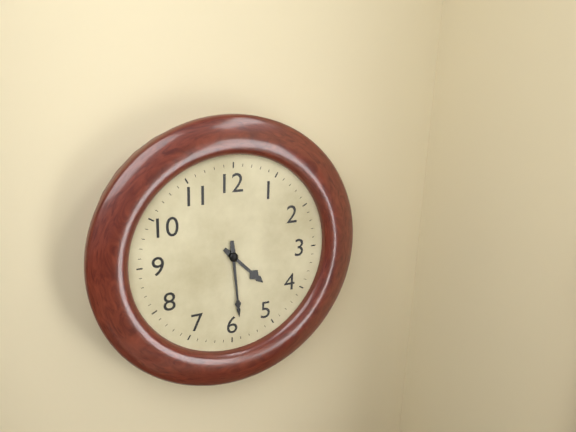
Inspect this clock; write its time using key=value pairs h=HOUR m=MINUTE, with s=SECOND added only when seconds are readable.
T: h=4 m=29
